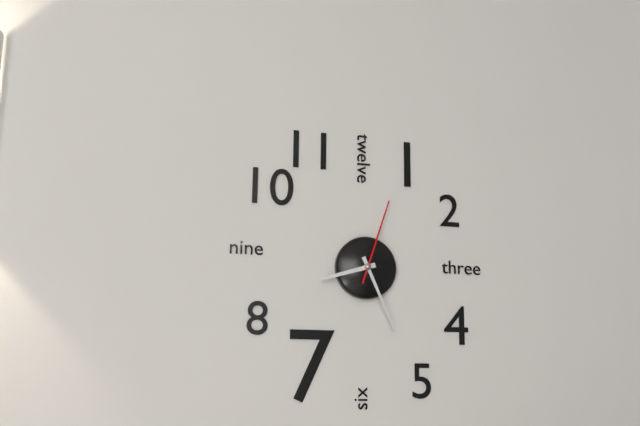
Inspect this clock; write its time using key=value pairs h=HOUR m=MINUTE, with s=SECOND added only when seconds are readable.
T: h=8 m=26 s=3
